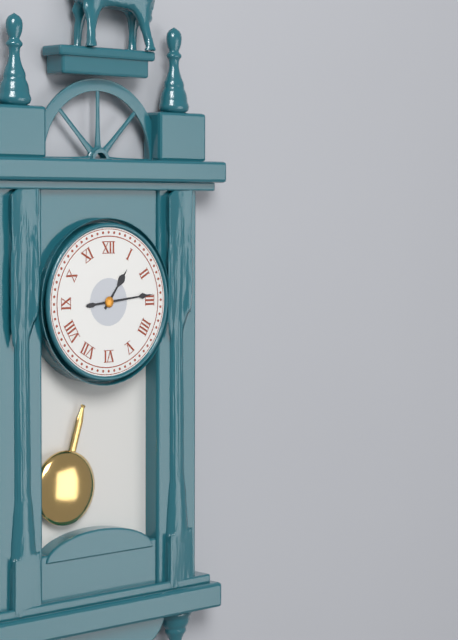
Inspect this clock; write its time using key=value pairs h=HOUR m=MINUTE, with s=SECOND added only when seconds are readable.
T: h=1 m=14
